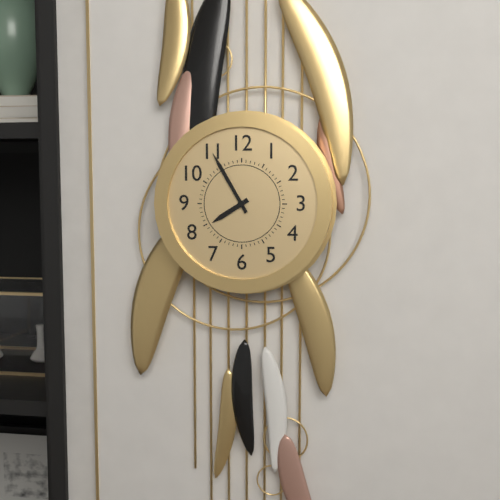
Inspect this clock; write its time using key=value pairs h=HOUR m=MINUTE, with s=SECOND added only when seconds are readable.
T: h=7 m=55
